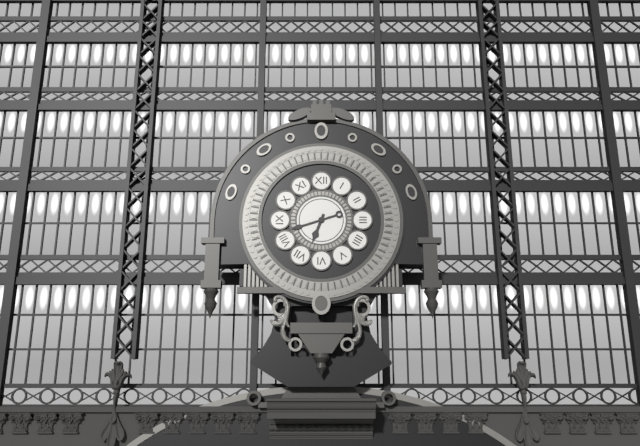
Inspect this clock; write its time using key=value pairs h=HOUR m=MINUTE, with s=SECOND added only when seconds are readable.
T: h=6 m=42
